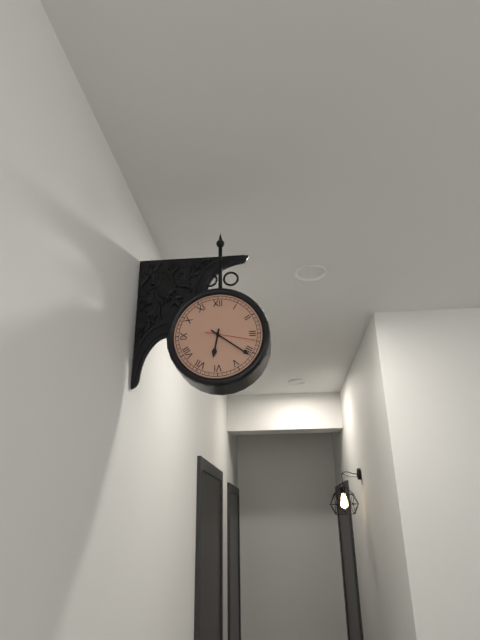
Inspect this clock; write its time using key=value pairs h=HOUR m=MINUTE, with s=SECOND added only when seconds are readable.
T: h=6 m=21
